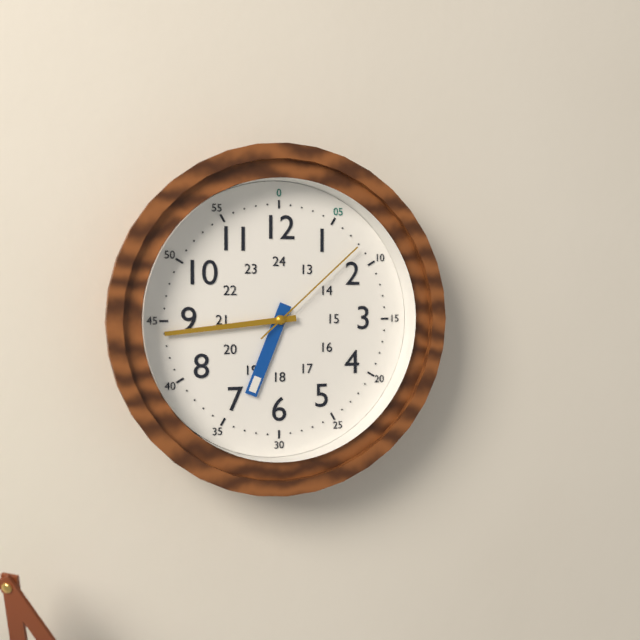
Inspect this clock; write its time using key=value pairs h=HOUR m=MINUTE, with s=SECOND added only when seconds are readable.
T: h=6 m=44 s=8
